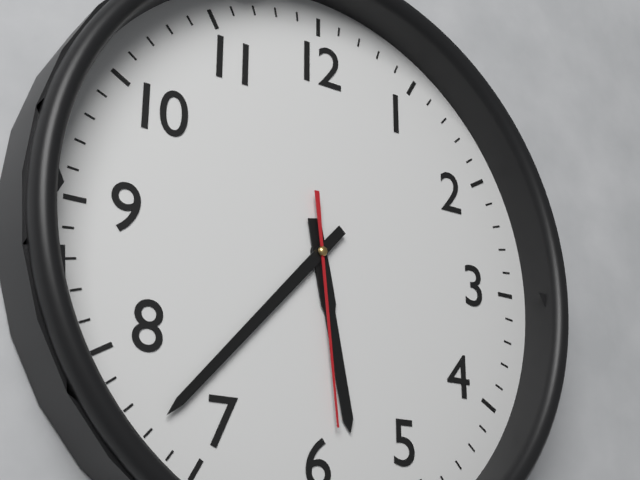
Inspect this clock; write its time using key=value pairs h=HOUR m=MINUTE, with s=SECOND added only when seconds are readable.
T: h=5 m=37 s=29
